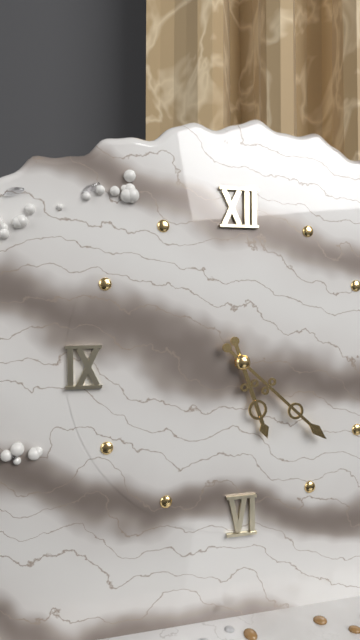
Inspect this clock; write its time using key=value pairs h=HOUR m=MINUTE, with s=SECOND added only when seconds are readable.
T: h=5 m=22
